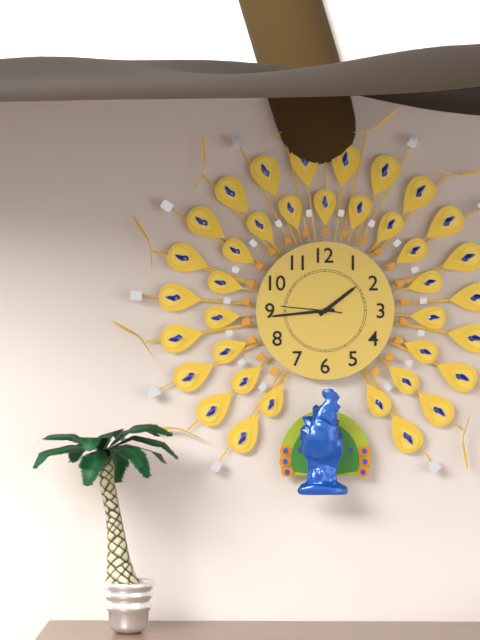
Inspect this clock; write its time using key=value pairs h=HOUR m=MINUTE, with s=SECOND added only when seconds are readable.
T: h=1 m=44 s=46
